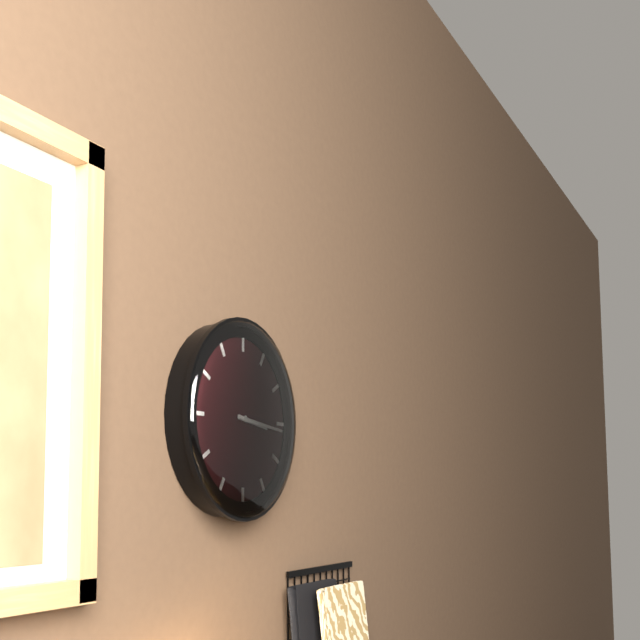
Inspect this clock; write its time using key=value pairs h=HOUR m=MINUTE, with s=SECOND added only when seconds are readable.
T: h=3 m=16
